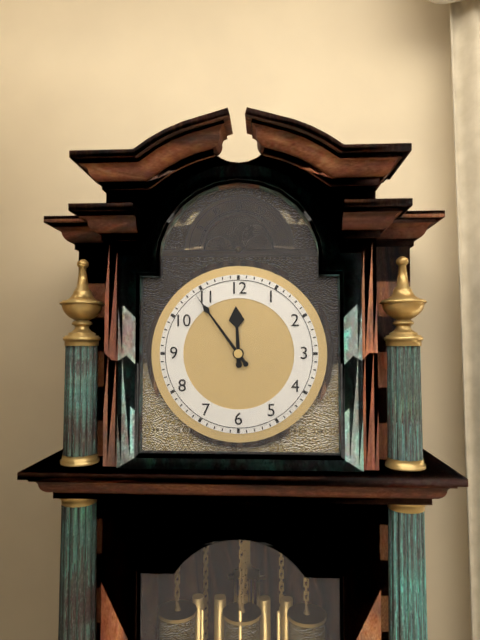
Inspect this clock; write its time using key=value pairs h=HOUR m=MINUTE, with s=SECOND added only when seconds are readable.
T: h=11 m=54
